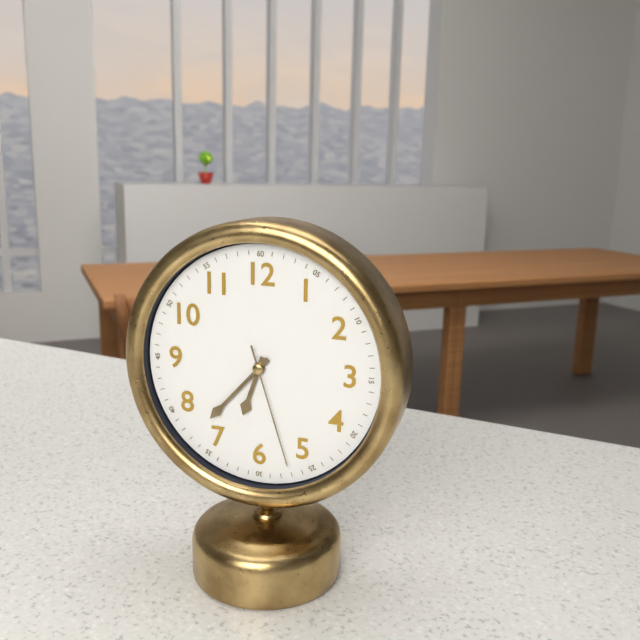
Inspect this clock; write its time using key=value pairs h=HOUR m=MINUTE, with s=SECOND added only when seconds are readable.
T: h=6 m=37 s=27
